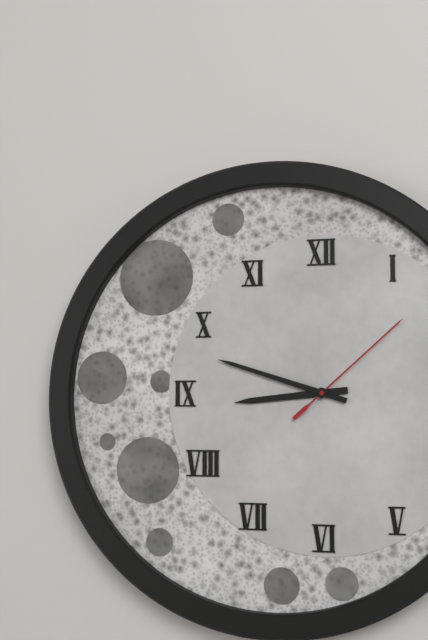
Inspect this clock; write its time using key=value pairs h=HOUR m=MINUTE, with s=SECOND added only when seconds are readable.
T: h=8 m=48 s=8
